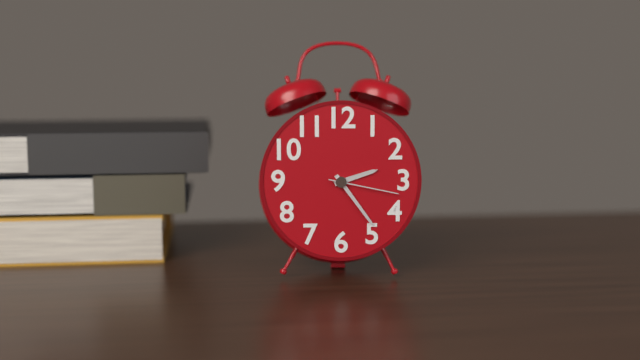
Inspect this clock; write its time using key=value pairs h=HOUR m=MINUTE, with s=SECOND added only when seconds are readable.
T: h=2 m=24 s=17
